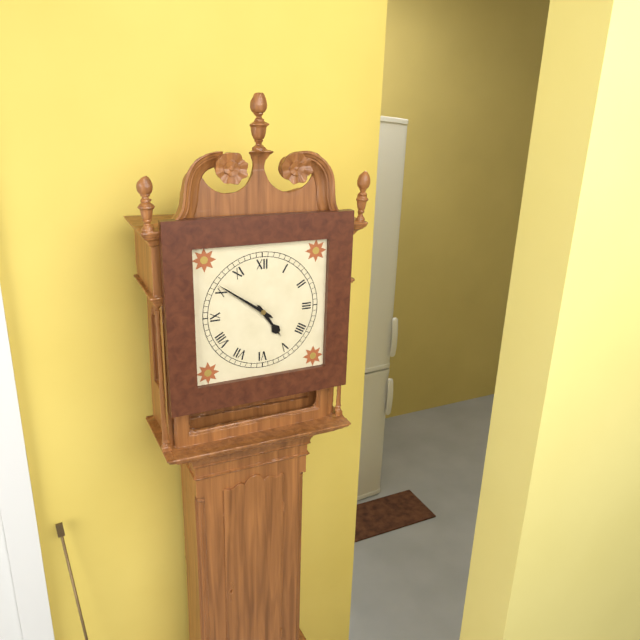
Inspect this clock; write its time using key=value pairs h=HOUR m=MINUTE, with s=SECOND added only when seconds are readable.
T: h=4 m=51
